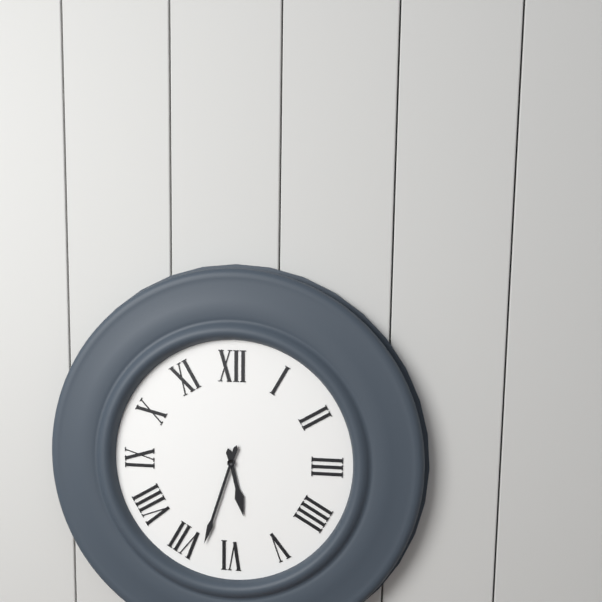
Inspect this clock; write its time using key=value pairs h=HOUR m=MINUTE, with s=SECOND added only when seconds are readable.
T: h=5 m=33
